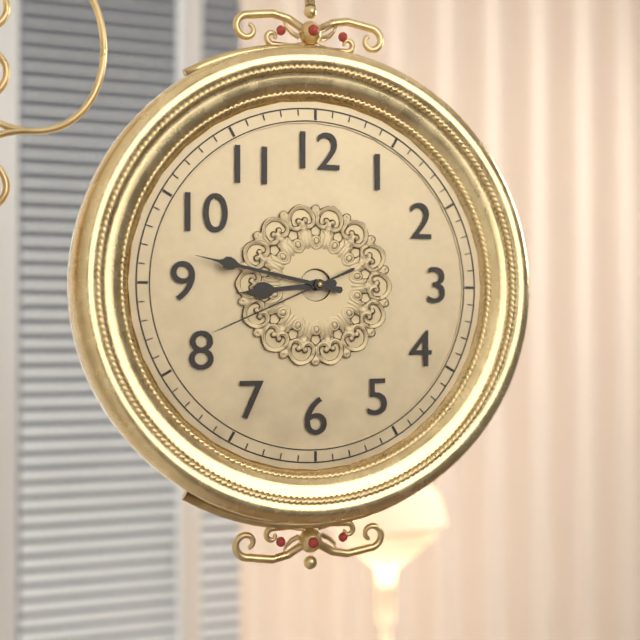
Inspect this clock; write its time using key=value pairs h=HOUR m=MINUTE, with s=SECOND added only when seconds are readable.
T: h=8 m=47 s=41
